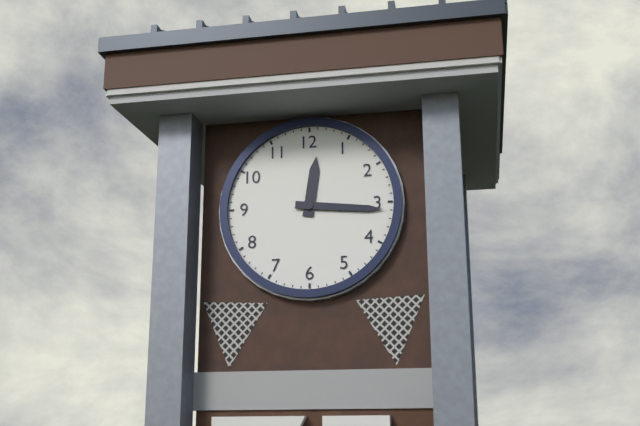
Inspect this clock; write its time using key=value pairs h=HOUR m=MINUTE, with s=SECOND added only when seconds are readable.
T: h=12 m=16
